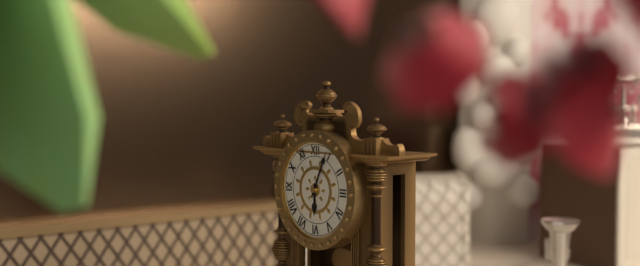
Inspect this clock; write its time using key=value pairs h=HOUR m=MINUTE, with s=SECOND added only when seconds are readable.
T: h=6 m=4
